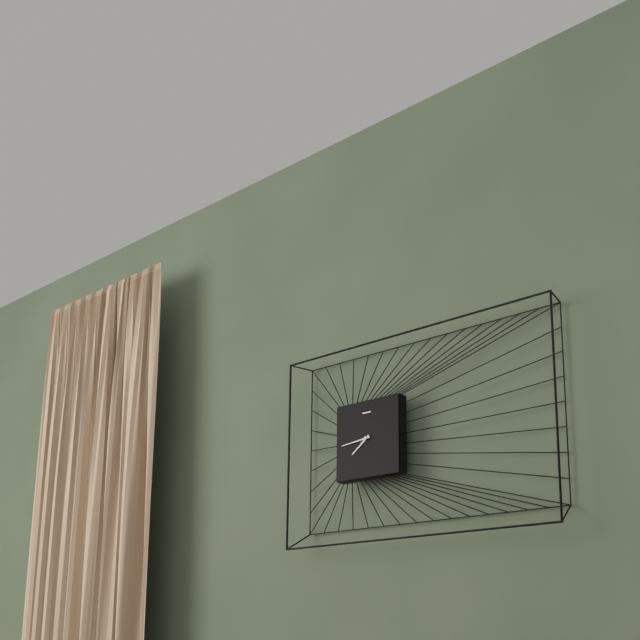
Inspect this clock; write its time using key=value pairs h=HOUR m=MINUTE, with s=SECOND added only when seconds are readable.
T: h=7 m=44
